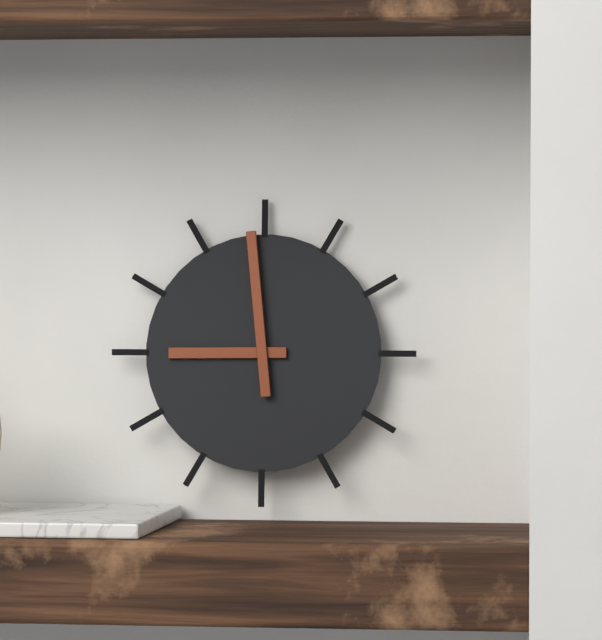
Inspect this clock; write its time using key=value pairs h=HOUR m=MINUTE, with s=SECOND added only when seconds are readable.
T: h=8 m=59
